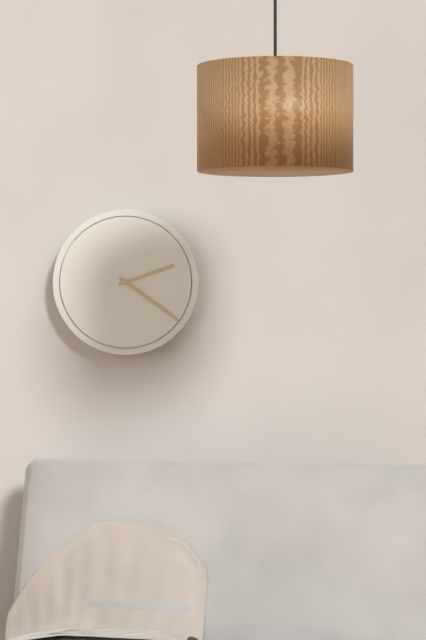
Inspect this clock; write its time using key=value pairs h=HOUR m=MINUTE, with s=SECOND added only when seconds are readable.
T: h=2 m=21
